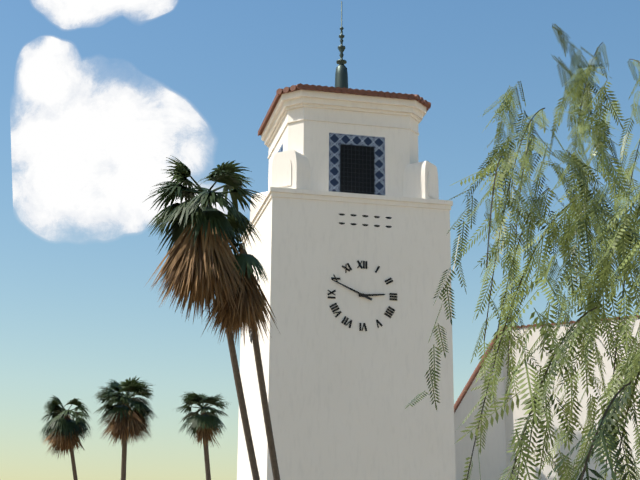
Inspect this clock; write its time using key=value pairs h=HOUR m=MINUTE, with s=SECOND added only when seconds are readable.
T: h=2 m=49
